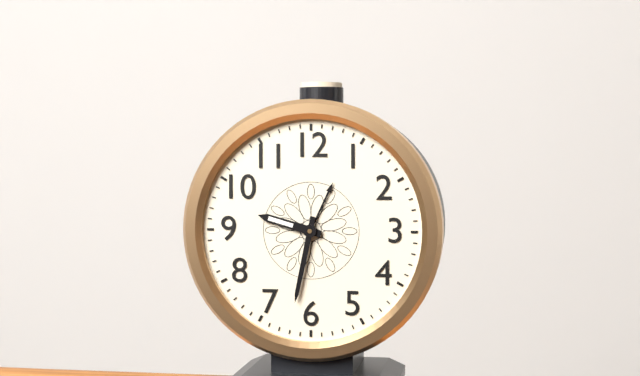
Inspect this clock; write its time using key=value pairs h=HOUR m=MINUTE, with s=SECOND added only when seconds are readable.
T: h=9 m=32
